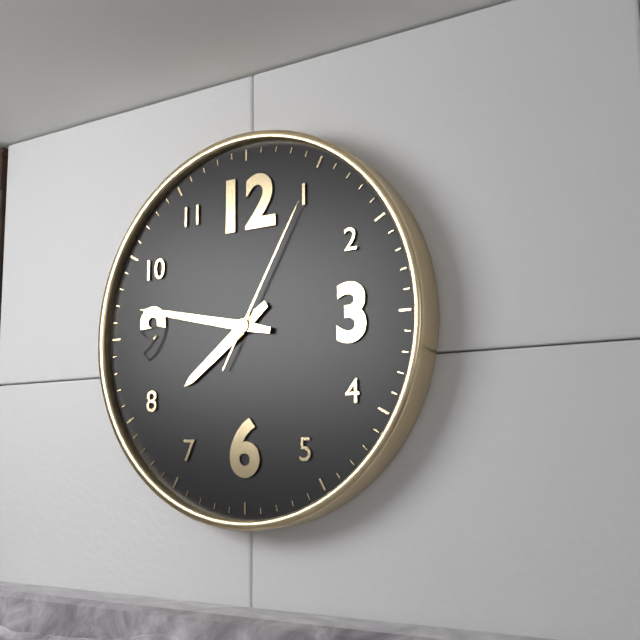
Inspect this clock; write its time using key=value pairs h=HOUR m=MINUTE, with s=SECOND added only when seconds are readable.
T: h=7 m=47 s=5
